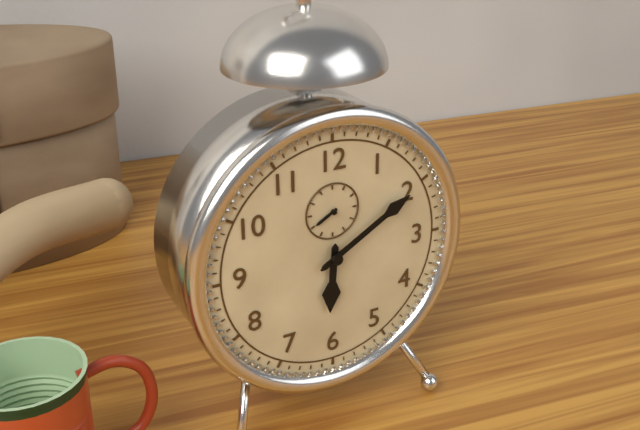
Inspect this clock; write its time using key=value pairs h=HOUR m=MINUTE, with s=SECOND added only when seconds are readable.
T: h=6 m=10
